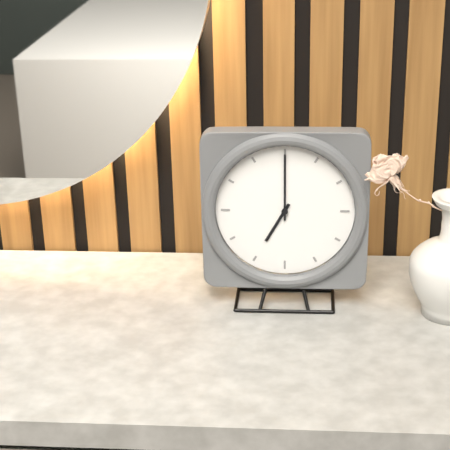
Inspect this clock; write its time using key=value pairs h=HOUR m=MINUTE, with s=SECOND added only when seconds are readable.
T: h=7 m=0
